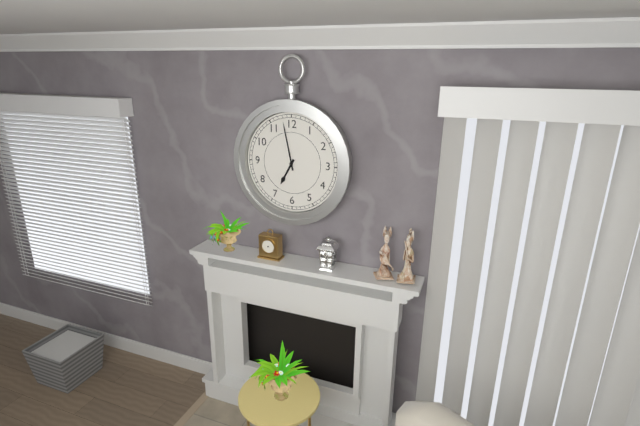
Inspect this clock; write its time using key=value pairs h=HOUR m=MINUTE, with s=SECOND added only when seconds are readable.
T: h=6 m=58
